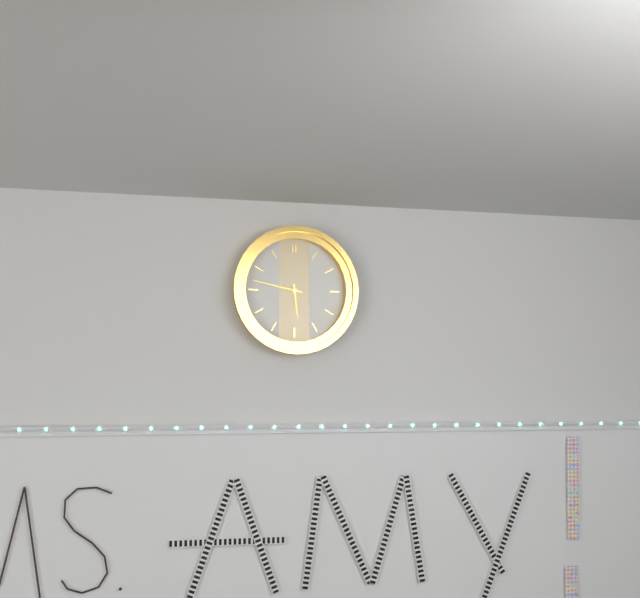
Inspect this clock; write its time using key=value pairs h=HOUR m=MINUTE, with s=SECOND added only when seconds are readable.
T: h=5 m=47
